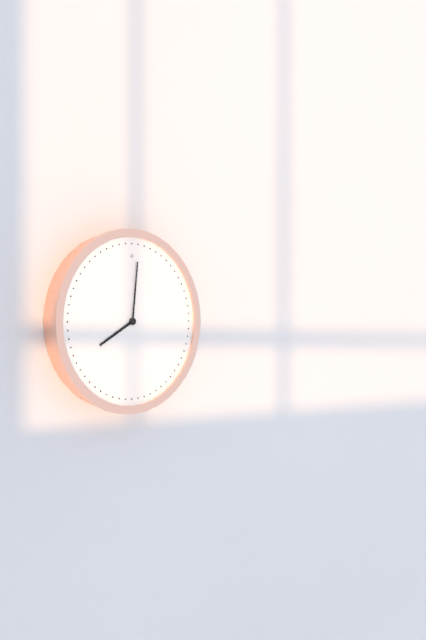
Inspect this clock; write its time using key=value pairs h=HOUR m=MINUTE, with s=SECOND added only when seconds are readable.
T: h=8 m=1
